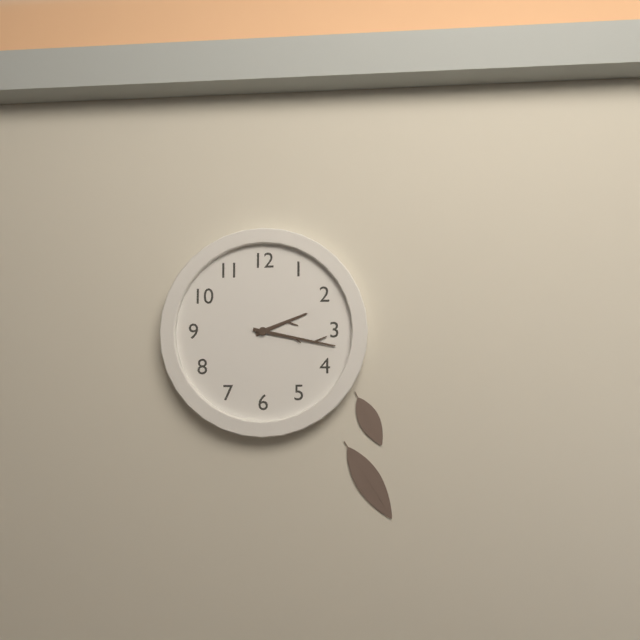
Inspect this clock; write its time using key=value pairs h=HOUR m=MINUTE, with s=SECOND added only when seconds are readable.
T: h=2 m=17
